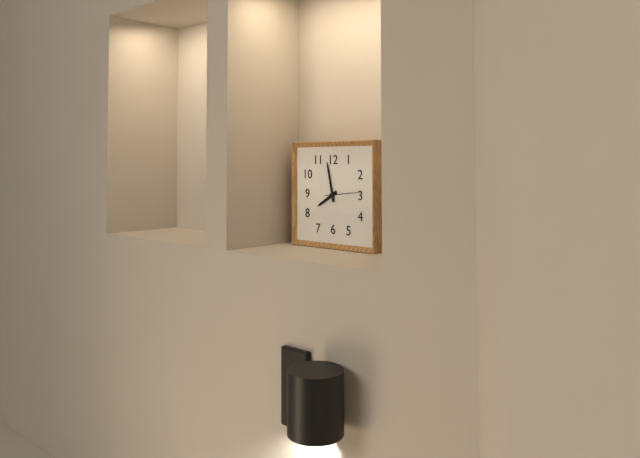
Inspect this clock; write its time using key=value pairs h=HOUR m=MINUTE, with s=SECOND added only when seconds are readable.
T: h=7 m=58
